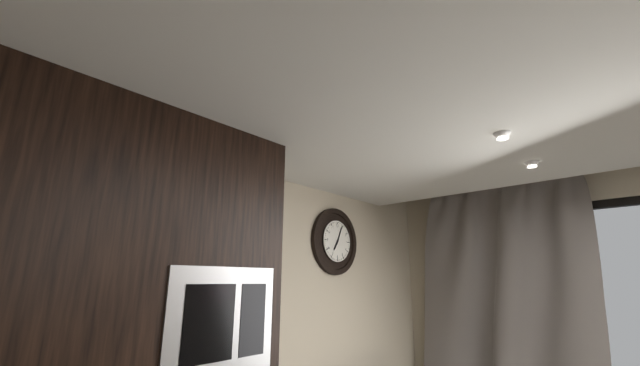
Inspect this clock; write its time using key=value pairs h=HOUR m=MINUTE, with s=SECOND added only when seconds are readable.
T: h=7 m=4
